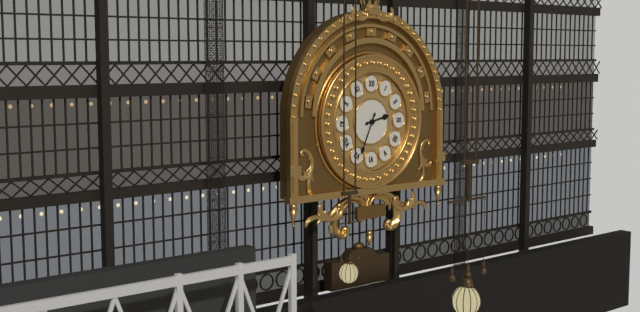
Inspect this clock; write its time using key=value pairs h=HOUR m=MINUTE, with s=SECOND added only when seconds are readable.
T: h=2 m=34
